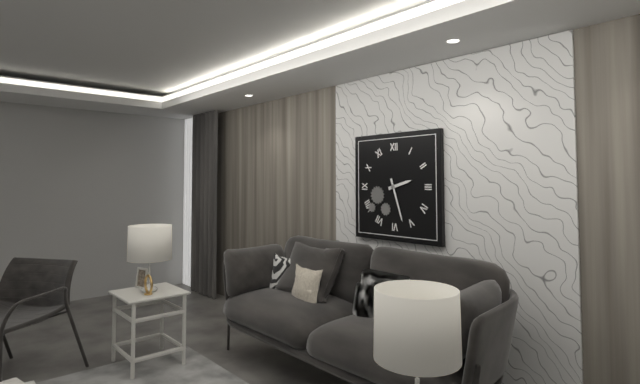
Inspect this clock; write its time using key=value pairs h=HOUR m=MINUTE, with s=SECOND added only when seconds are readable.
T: h=2 m=27
